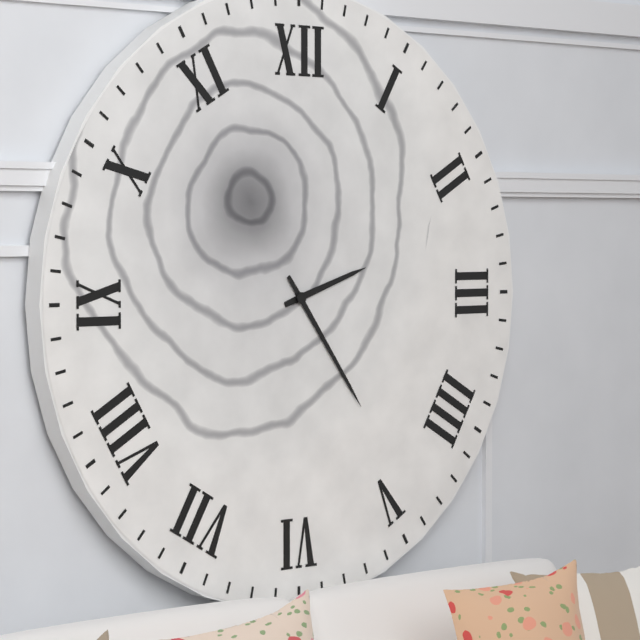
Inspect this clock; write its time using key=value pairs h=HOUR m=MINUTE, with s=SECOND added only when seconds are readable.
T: h=2 m=24
